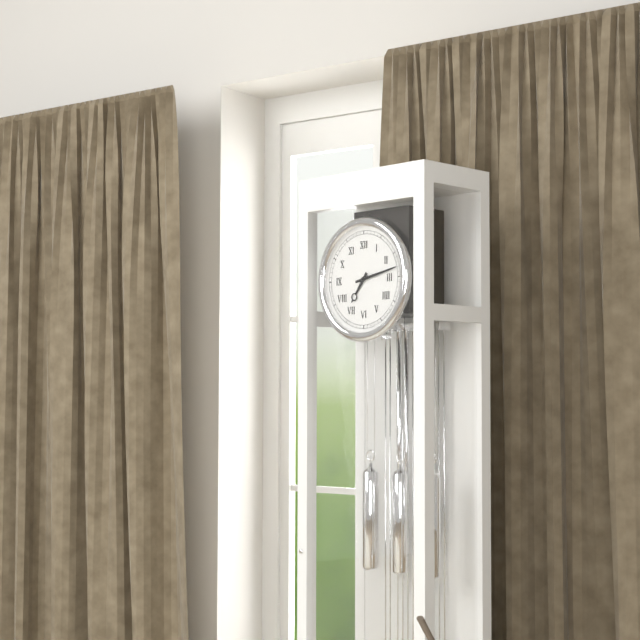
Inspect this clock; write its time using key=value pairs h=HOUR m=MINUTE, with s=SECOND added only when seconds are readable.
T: h=7 m=13
